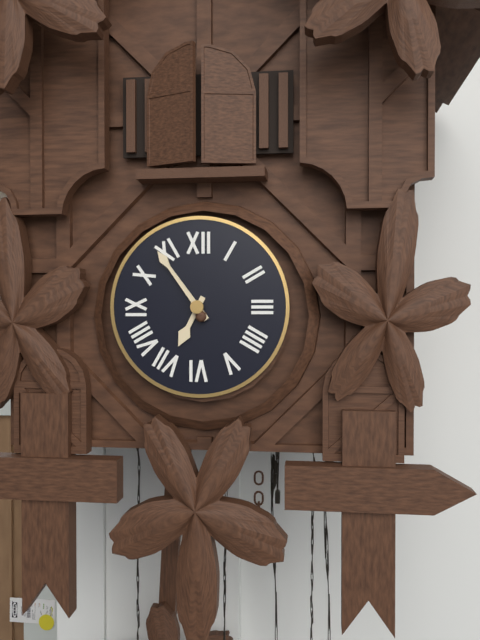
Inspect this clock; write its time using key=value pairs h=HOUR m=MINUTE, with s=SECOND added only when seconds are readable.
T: h=6 m=54
